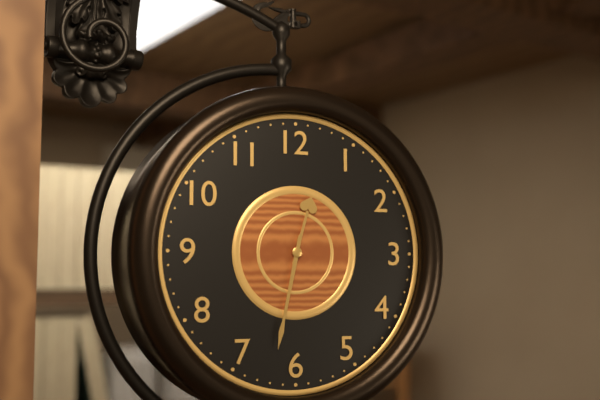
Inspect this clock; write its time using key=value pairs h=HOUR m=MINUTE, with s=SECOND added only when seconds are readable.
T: h=12 m=32
